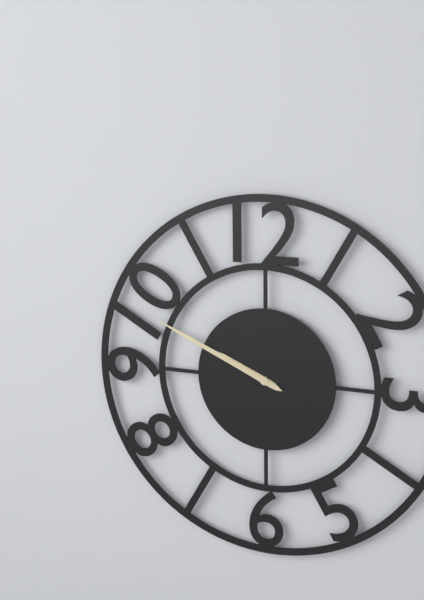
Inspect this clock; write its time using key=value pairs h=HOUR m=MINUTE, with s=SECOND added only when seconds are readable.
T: h=9 m=49
